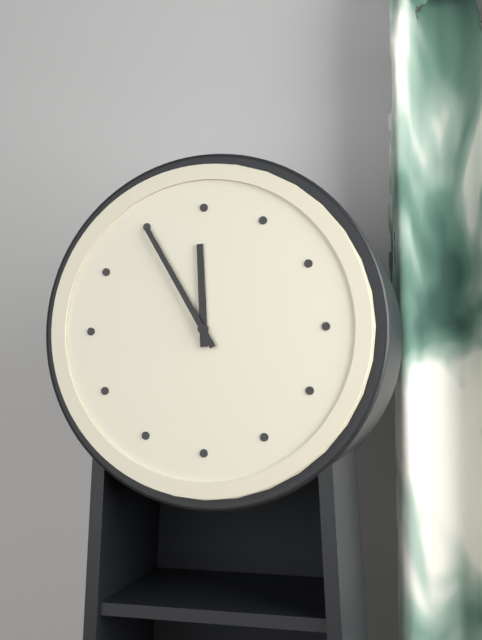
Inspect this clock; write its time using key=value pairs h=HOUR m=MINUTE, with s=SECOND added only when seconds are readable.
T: h=11 m=55
